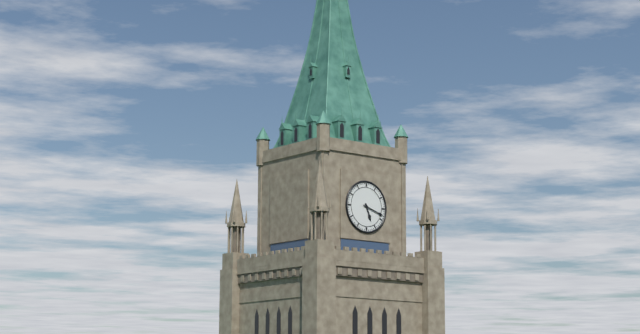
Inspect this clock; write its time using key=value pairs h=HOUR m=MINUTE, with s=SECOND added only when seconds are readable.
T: h=5 m=18
